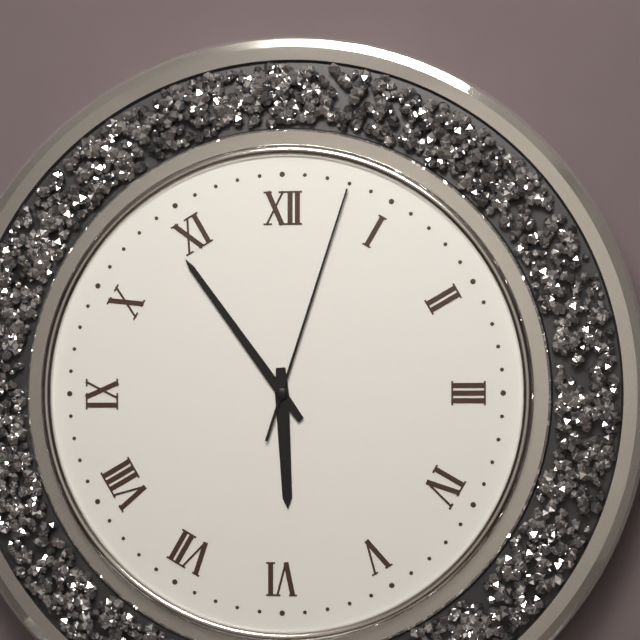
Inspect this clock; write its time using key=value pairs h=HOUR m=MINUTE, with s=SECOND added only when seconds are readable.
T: h=5 m=54 s=3
